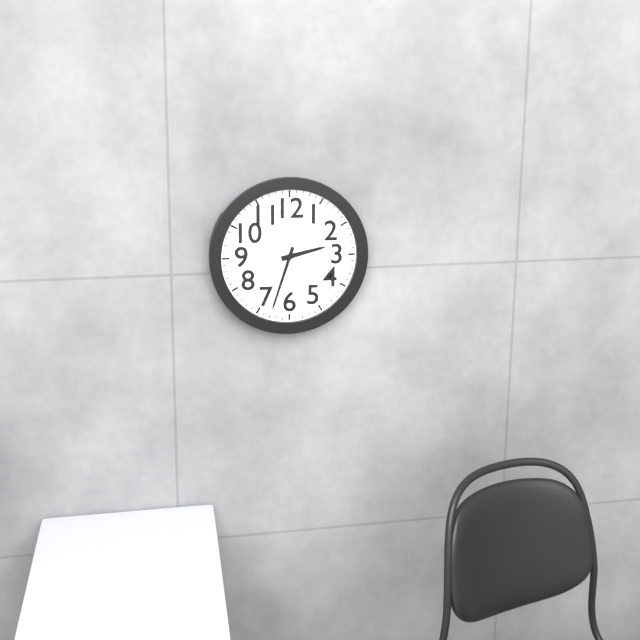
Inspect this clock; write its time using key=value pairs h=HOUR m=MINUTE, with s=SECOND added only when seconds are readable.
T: h=2 m=33
